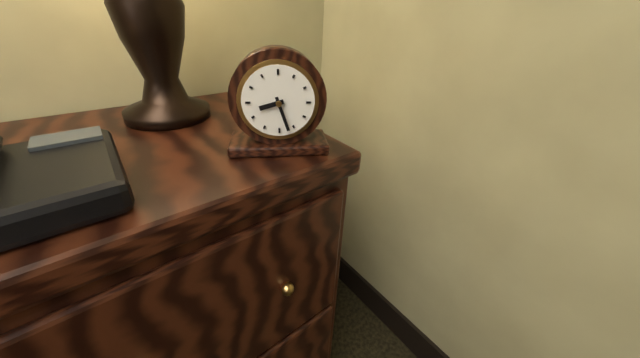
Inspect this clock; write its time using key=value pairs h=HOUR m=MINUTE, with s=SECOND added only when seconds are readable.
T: h=8 m=27
